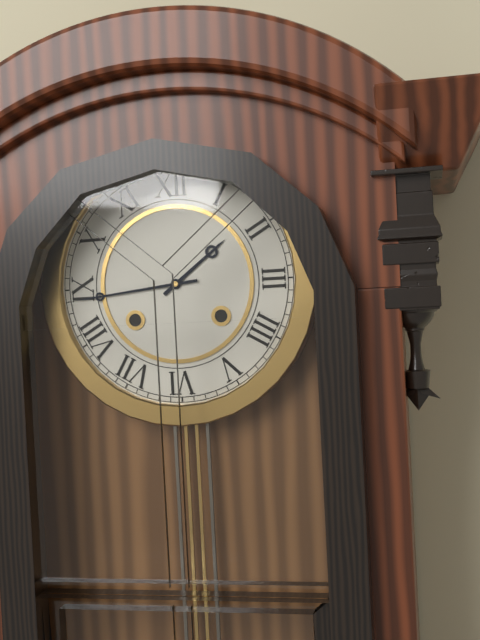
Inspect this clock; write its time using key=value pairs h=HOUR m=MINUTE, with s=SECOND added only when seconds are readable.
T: h=1 m=44
